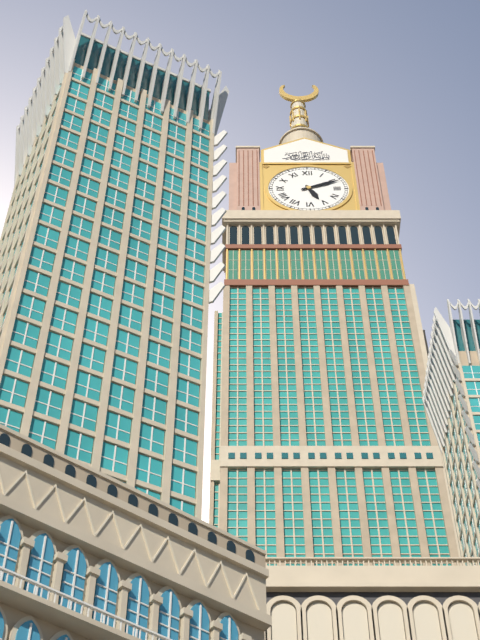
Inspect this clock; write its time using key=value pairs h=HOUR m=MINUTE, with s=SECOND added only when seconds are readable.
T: h=5 m=11
